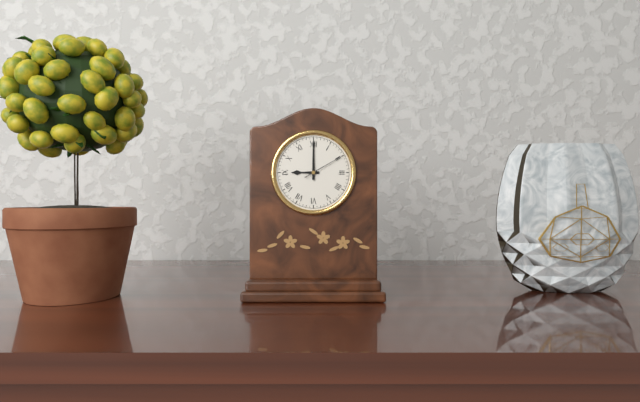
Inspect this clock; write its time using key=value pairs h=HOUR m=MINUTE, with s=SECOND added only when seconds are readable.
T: h=9 m=0
